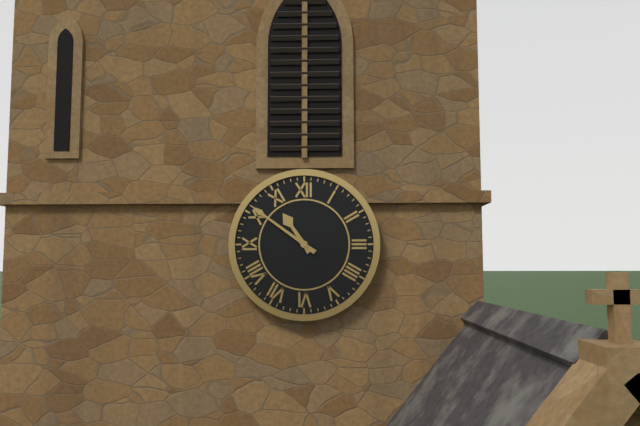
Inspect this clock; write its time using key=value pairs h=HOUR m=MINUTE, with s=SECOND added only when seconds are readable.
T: h=10 m=51
